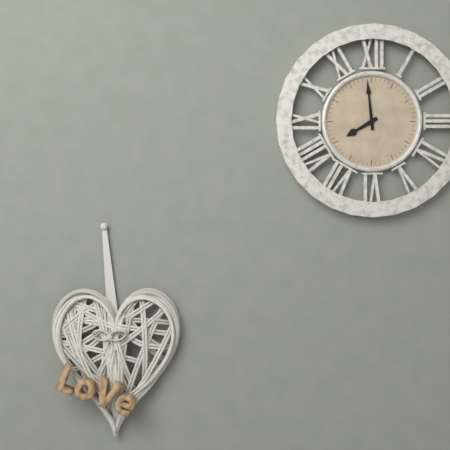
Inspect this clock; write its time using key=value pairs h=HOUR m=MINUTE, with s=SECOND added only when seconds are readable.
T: h=7 m=59
